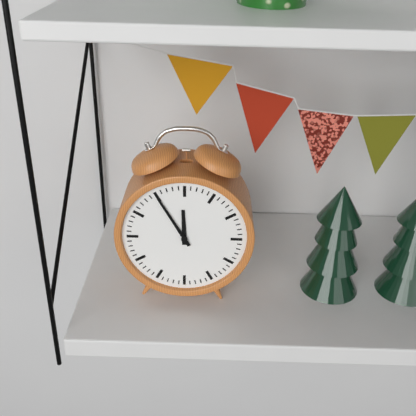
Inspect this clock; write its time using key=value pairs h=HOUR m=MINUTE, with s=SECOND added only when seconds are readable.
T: h=11 m=55
